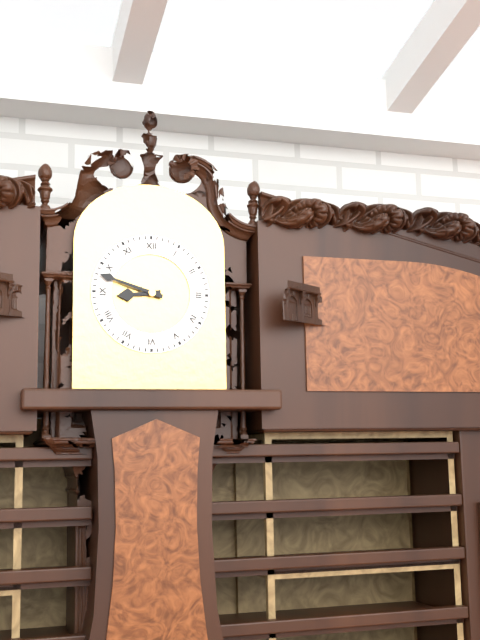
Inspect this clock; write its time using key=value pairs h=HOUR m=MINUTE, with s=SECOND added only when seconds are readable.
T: h=8 m=48
